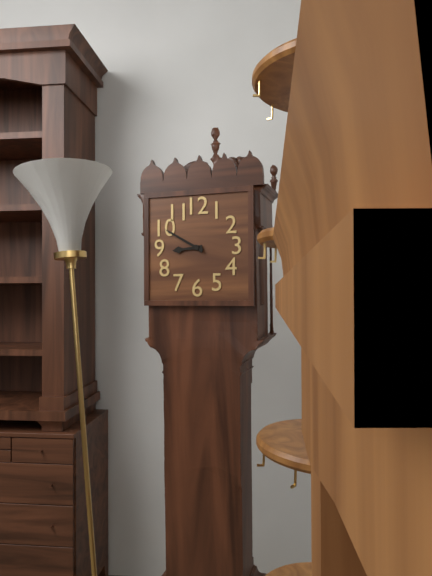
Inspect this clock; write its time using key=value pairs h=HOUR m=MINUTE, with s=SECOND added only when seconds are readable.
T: h=8 m=50
